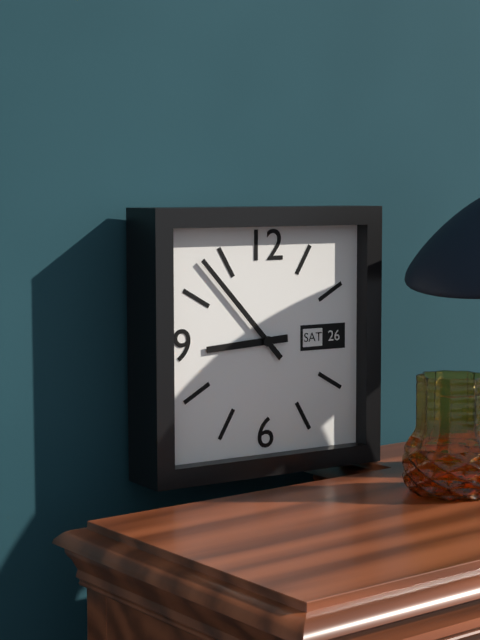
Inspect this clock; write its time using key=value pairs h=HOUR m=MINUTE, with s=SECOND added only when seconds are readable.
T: h=8 m=53
